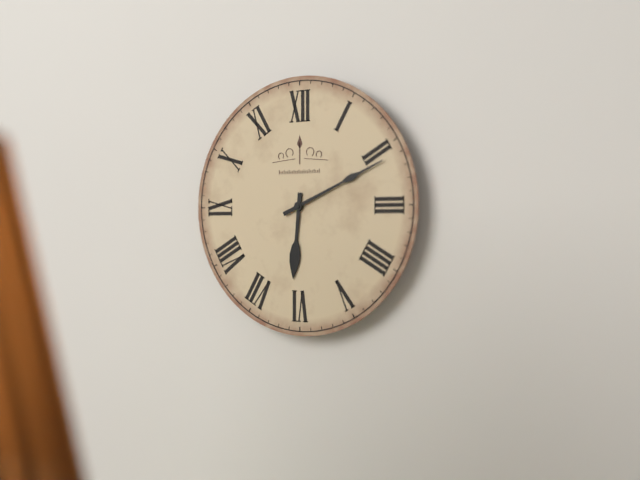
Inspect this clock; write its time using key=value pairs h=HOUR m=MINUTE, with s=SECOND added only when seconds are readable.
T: h=6 m=11
